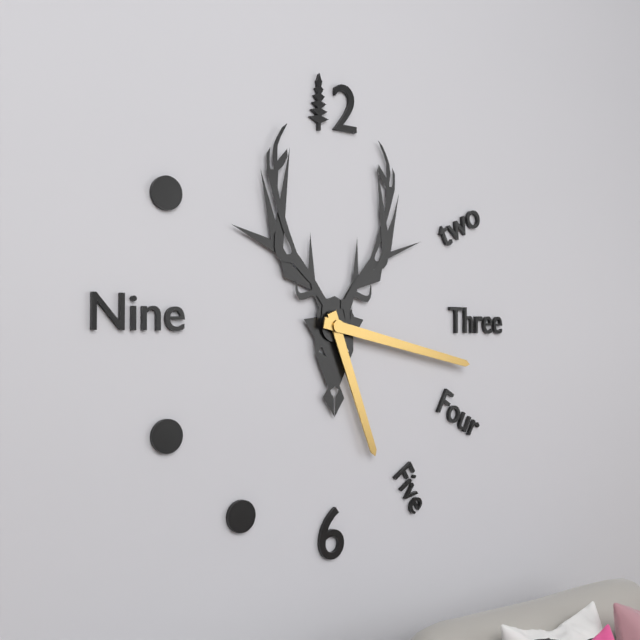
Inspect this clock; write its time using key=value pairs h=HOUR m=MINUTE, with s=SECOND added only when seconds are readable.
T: h=5 m=17
